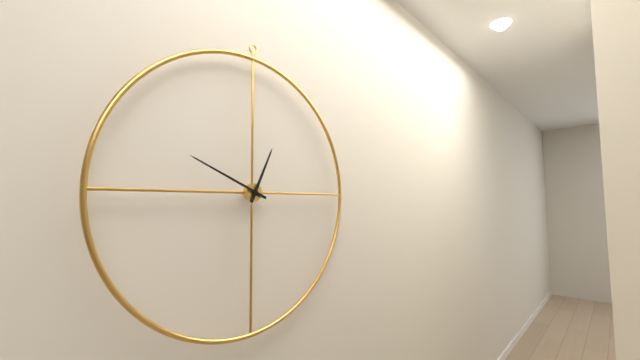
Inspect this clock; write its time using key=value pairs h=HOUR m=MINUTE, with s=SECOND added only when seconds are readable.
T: h=12 m=49
